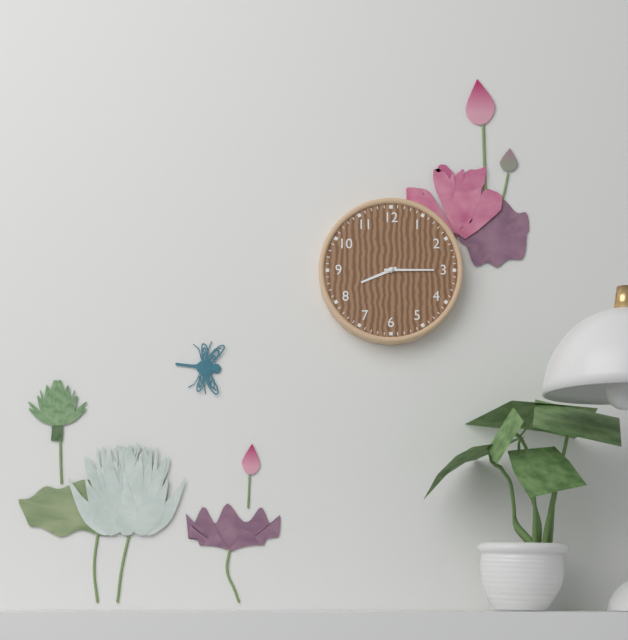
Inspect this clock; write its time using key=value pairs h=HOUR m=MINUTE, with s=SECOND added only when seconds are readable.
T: h=8 m=15
